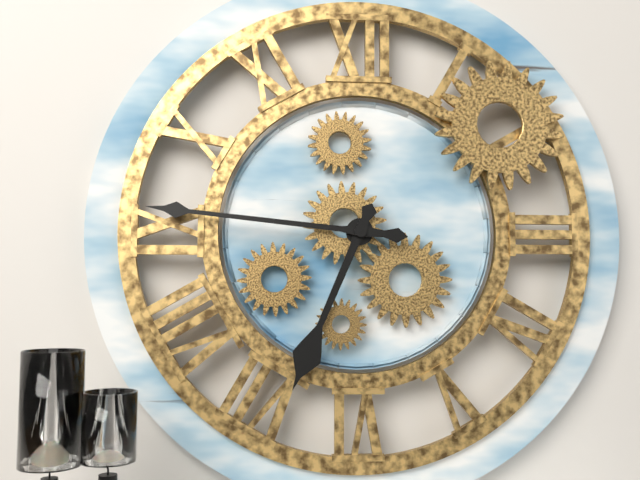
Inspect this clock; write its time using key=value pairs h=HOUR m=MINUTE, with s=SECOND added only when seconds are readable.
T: h=6 m=46
